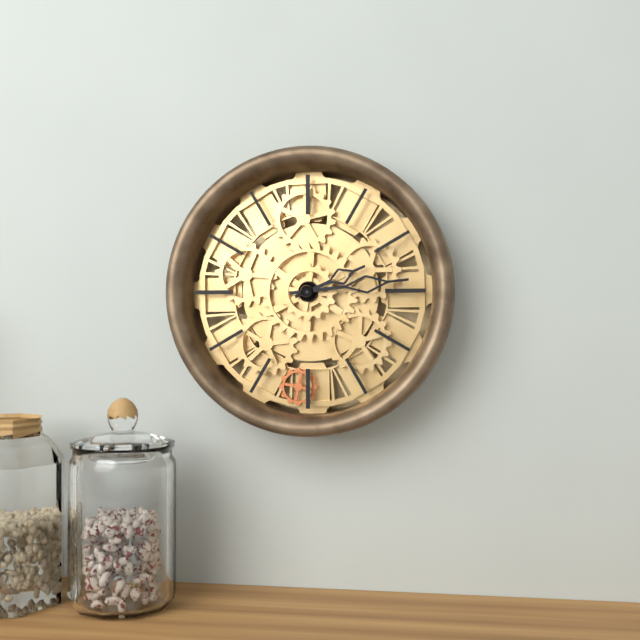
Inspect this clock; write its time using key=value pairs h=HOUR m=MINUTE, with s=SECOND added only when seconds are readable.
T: h=2 m=14
